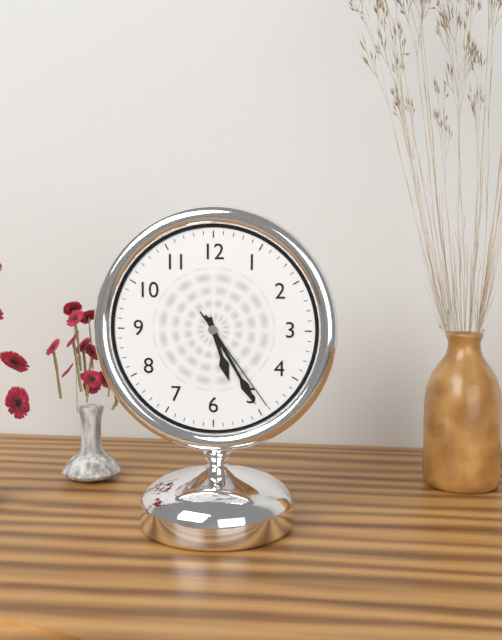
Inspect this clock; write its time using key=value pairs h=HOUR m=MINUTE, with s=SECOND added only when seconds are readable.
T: h=5 m=25 s=24
